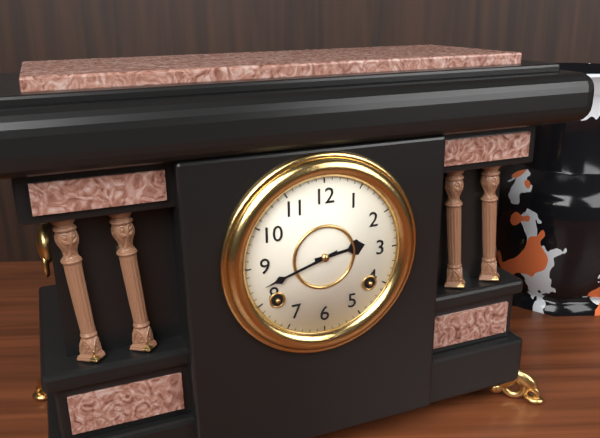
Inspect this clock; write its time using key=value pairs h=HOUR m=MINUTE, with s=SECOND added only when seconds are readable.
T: h=2 m=42
